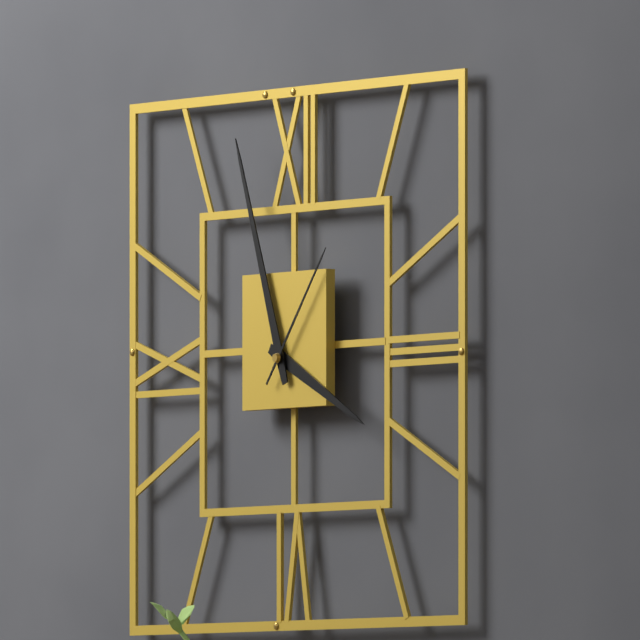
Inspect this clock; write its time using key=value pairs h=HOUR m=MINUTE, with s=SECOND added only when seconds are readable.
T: h=3 m=57 s=6
